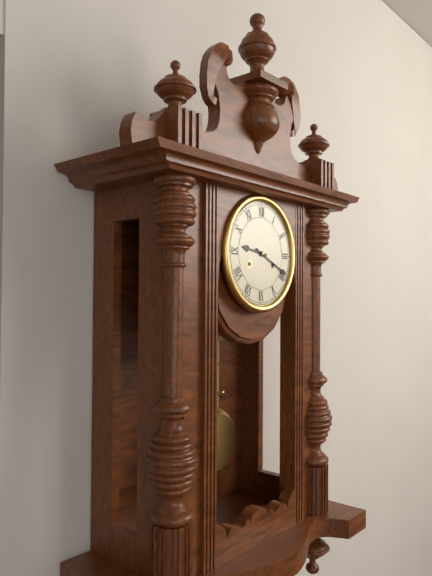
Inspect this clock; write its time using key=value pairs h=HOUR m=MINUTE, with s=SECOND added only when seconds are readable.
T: h=9 m=19
